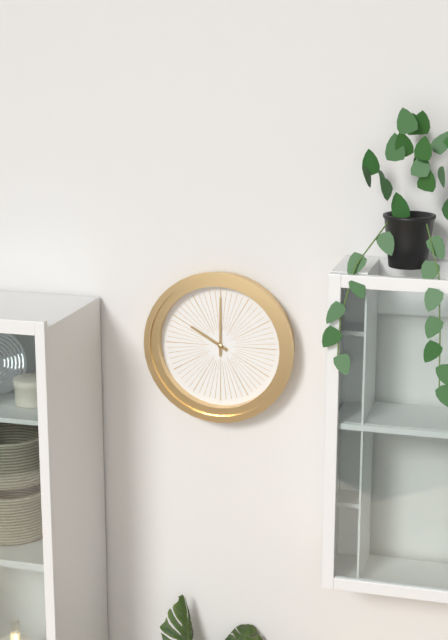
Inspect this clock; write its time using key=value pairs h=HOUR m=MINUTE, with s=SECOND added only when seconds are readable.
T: h=10 m=0
